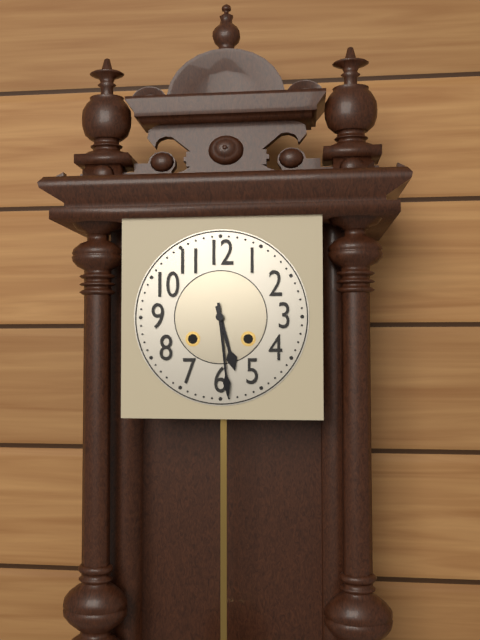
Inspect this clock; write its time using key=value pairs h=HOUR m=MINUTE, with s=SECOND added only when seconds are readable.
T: h=5 m=29
